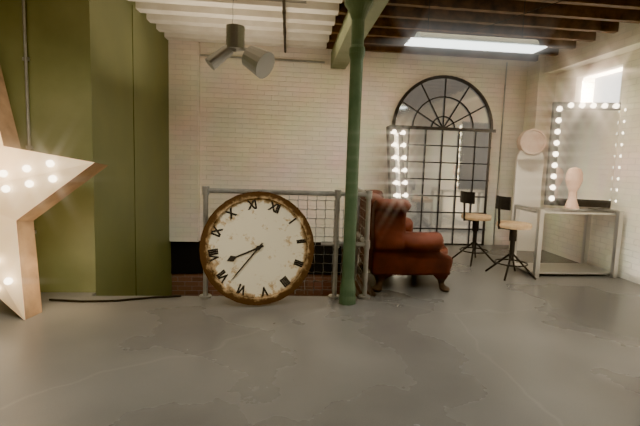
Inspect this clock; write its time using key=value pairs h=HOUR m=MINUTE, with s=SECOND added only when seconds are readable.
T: h=7 m=33
